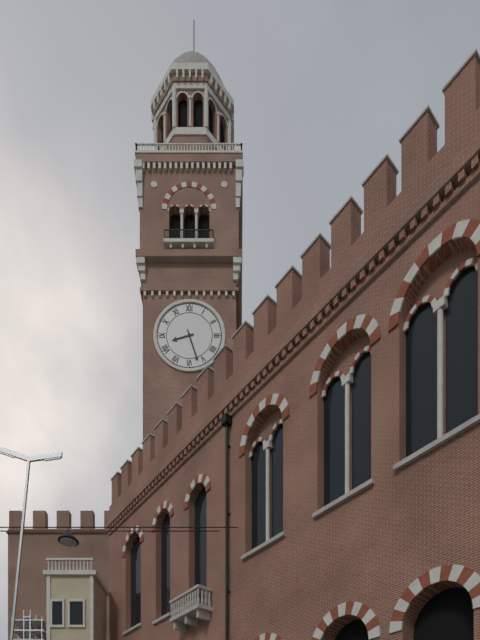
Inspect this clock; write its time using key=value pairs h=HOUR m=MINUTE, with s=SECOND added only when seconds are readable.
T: h=8 m=27
